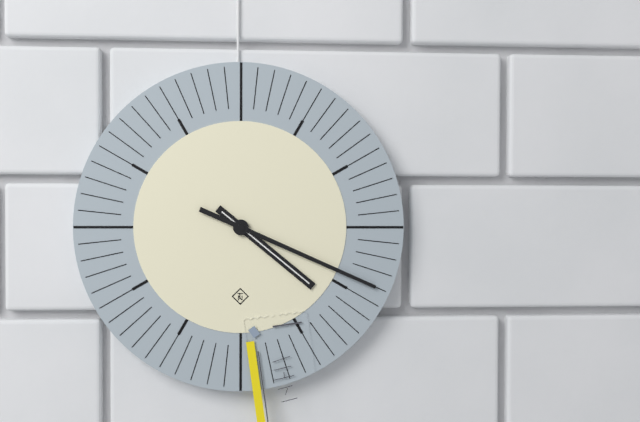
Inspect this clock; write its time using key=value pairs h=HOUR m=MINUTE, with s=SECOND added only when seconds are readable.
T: h=4 m=19
